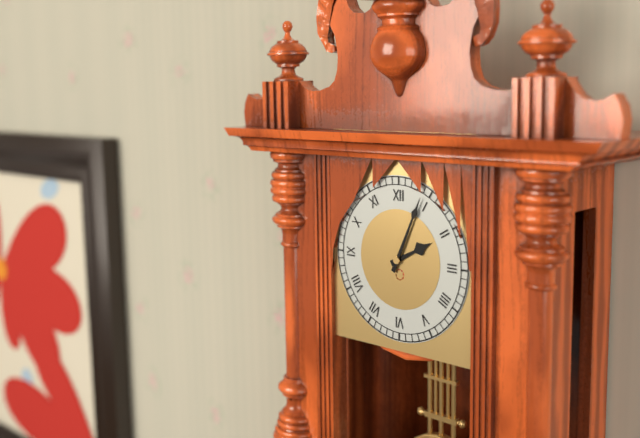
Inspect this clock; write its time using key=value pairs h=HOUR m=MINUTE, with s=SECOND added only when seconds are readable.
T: h=2 m=4
